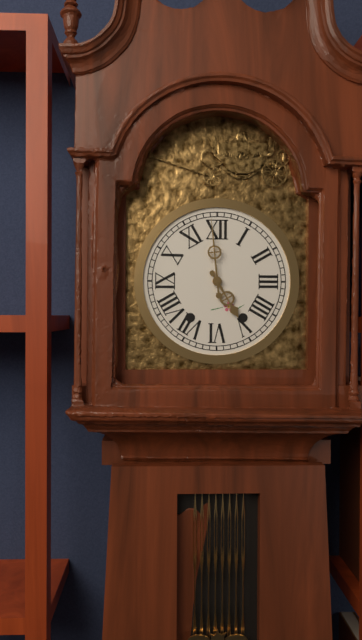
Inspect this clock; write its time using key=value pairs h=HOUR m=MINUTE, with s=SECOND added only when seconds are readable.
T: h=4 m=59
